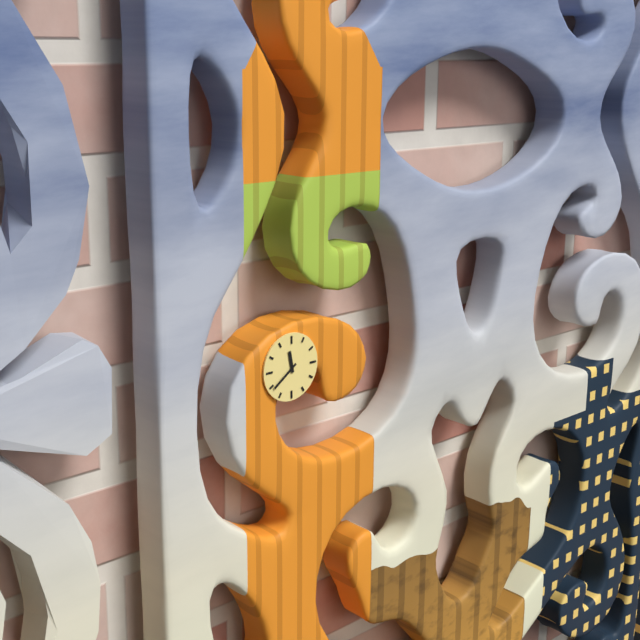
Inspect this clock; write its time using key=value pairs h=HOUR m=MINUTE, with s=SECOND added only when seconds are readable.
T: h=11 m=39
